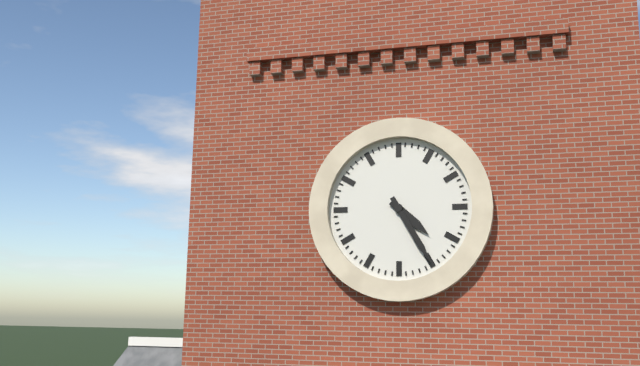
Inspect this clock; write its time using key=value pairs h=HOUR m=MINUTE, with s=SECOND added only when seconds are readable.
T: h=4 m=25
